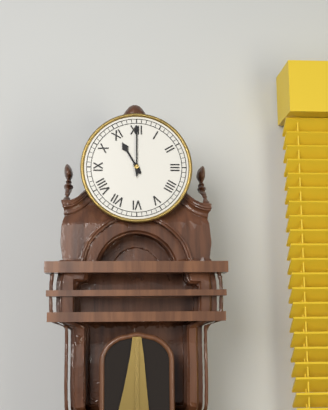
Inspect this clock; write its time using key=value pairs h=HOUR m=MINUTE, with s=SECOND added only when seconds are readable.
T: h=11 m=0
